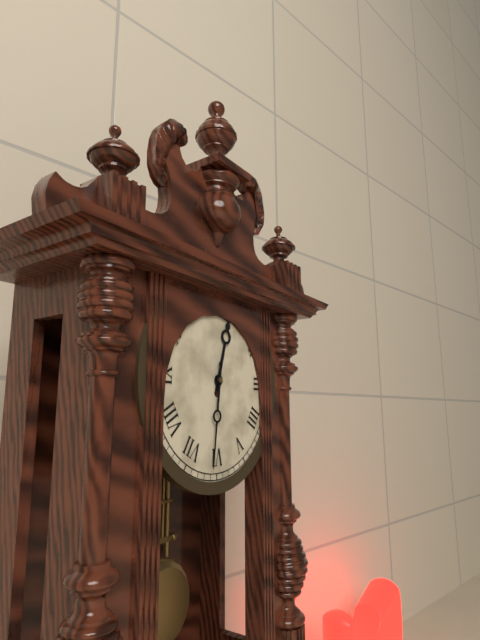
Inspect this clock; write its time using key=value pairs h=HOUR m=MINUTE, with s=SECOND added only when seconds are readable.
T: h=12 m=31
